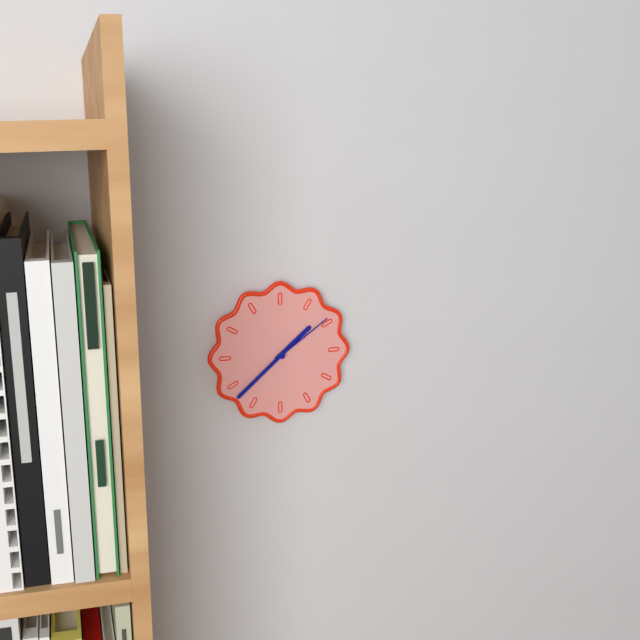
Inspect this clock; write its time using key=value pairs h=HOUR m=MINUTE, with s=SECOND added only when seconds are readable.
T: h=1 m=38 s=9
